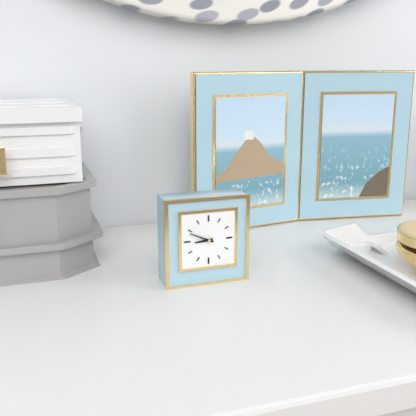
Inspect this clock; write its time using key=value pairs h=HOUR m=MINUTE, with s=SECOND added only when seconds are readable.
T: h=8 m=49
